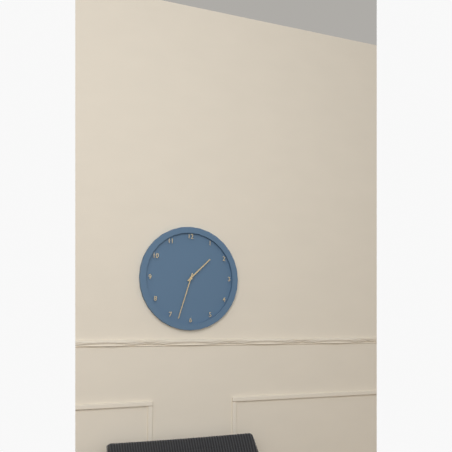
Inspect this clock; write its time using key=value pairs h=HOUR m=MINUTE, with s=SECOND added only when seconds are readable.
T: h=1 m=33
